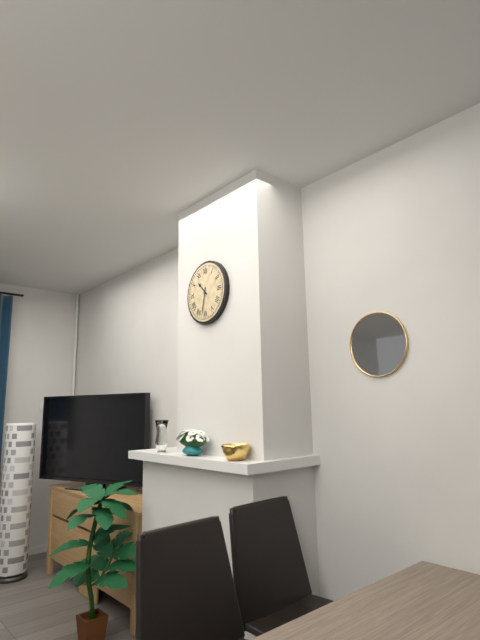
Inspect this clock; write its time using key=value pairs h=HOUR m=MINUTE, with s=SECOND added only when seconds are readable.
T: h=10 m=32
